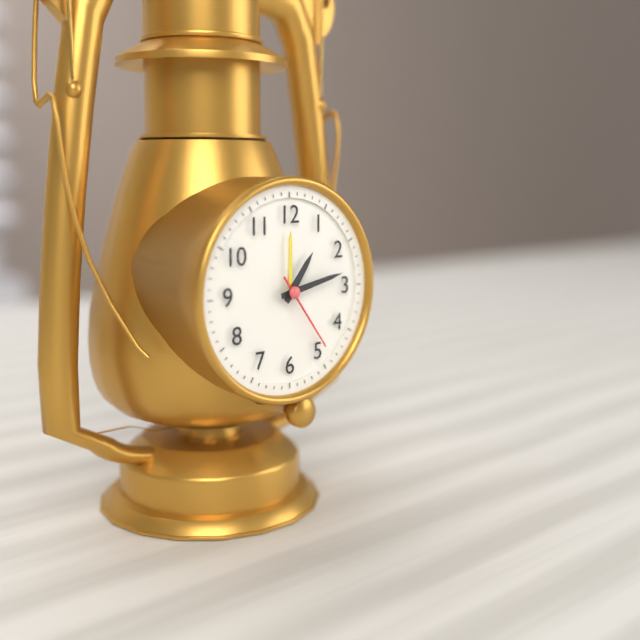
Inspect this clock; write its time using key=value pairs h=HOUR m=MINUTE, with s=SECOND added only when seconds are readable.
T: h=1 m=13 s=24
